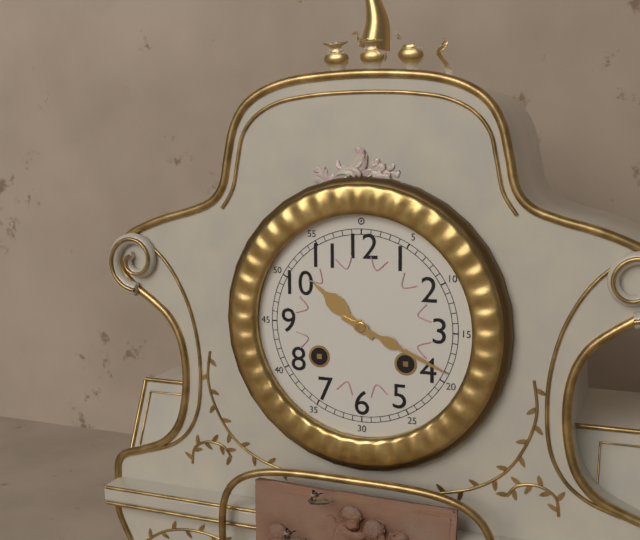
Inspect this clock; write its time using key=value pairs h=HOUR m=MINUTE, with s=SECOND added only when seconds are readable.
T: h=10 m=19
